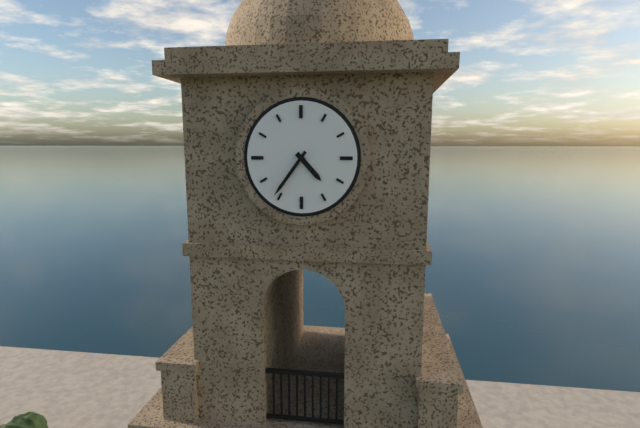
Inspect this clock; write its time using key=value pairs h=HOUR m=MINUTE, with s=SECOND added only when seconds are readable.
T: h=4 m=36
